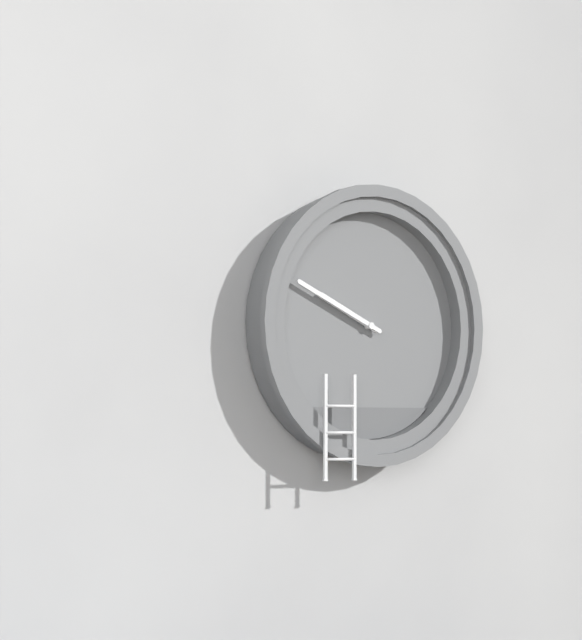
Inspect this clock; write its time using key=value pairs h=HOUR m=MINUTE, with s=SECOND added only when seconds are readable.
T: h=9 m=49
